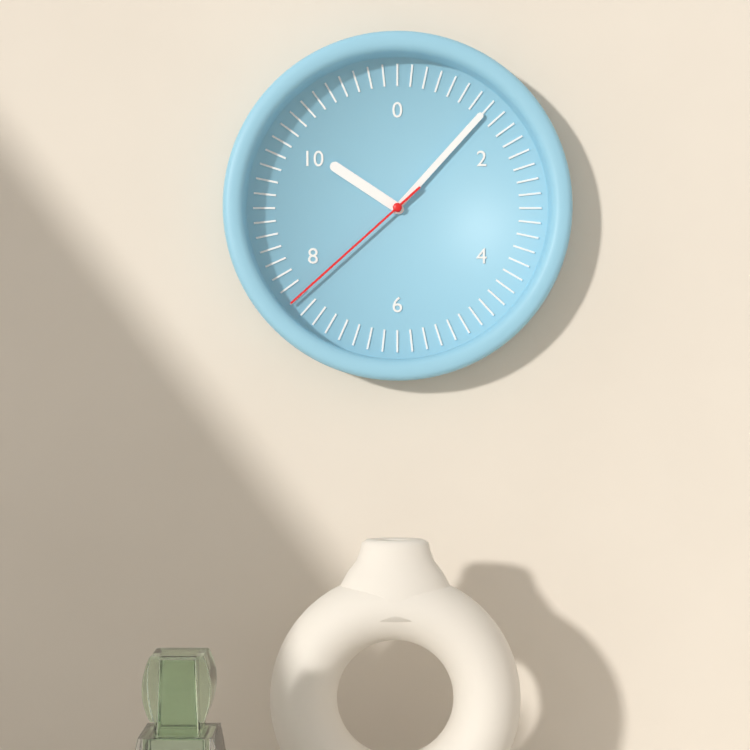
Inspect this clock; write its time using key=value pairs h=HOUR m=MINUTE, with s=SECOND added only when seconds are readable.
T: h=10 m=7 s=38
